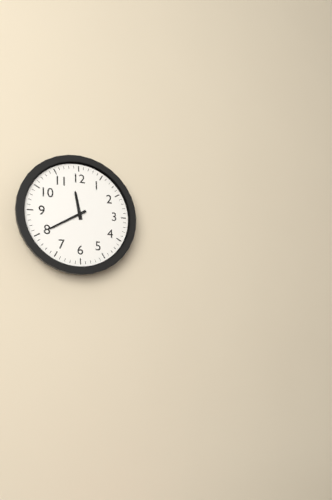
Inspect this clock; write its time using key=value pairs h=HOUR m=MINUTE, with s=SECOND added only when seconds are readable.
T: h=11 m=40
